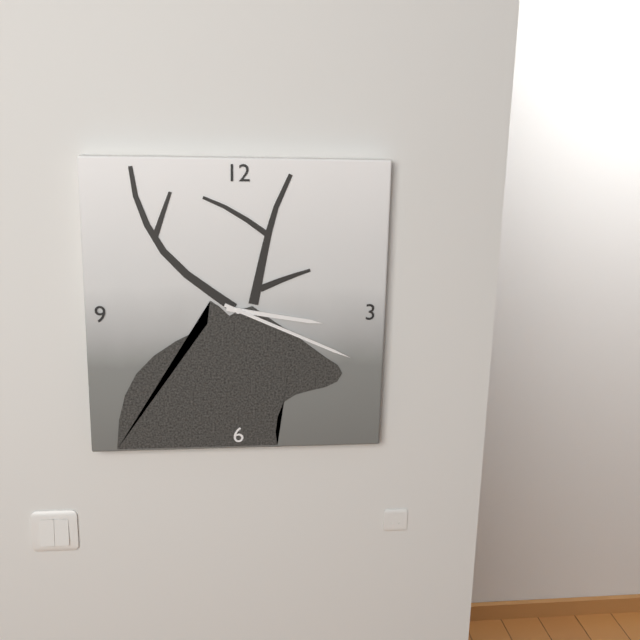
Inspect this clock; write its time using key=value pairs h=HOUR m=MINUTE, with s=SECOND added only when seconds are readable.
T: h=3 m=19
